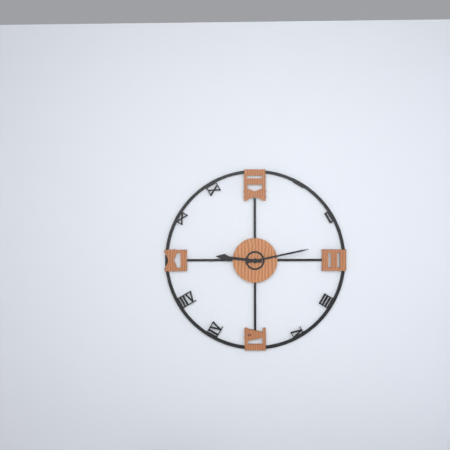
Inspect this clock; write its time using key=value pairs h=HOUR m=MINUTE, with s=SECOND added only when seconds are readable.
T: h=9 m=13
